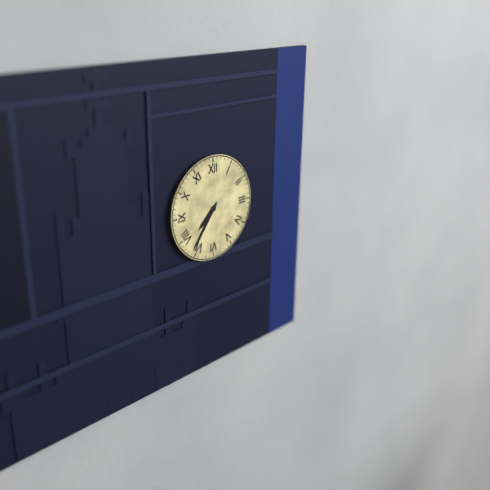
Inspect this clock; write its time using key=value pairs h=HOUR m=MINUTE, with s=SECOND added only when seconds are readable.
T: h=7 m=36
